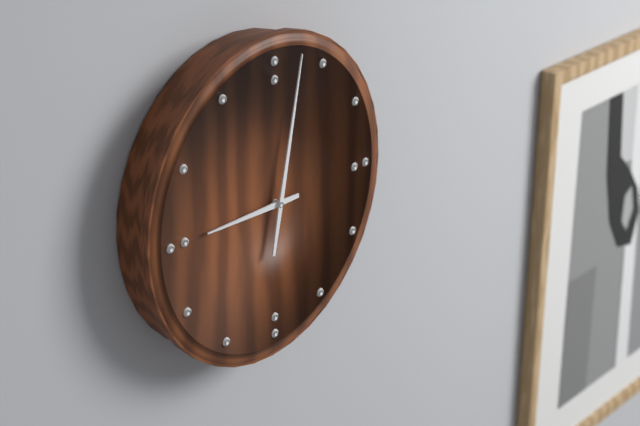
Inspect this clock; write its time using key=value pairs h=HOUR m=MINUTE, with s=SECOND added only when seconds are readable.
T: h=9 m=2
